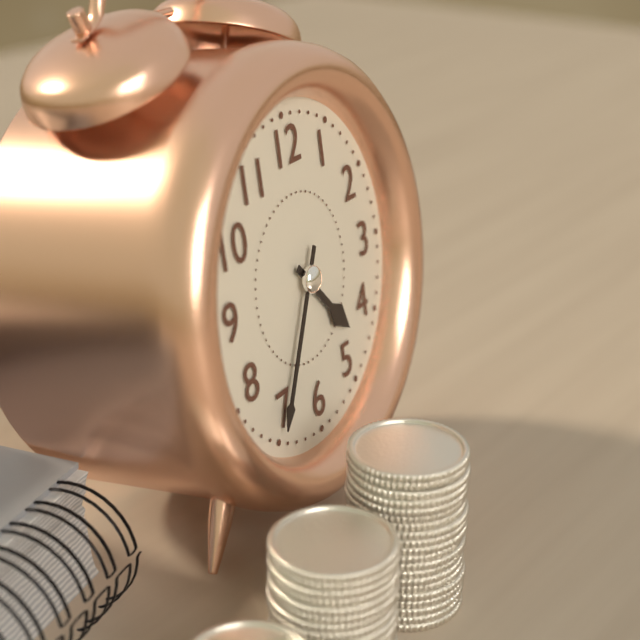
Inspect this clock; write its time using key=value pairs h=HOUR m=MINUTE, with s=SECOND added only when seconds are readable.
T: h=4 m=35
